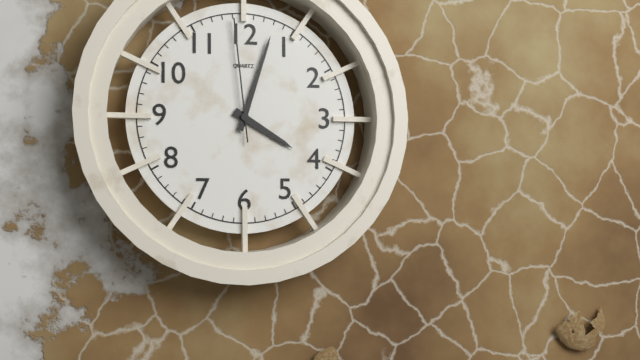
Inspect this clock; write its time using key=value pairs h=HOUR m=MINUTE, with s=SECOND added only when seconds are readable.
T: h=4 m=3 s=59
